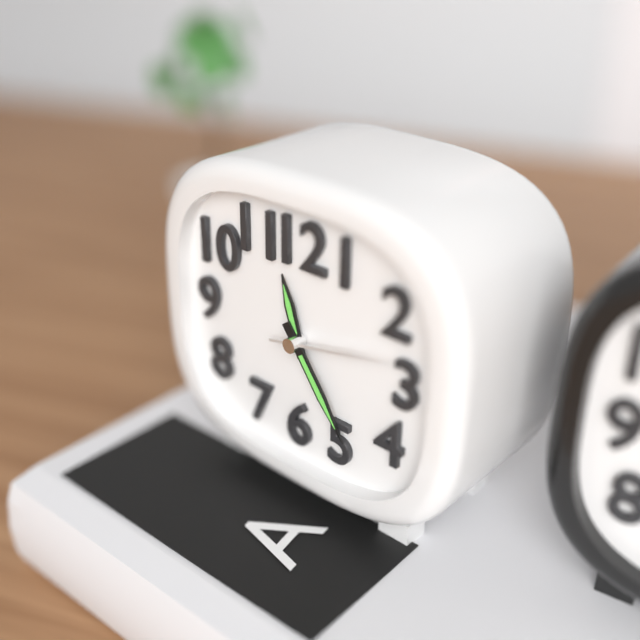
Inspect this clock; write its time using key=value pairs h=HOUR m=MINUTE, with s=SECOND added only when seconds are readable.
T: h=11 m=24 s=13
